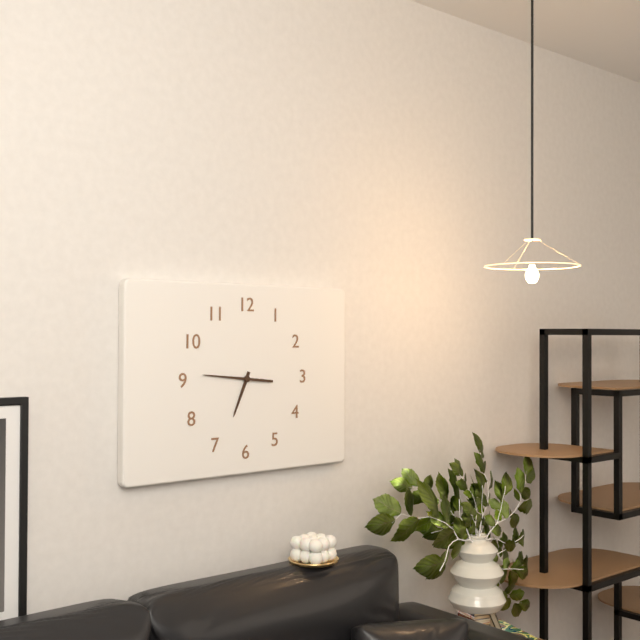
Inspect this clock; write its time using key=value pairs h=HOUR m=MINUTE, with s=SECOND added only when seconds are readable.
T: h=6 m=46
